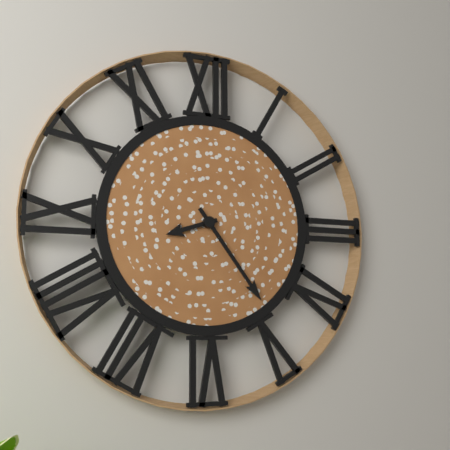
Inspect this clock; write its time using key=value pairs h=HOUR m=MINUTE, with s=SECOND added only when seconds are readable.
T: h=8 m=24
